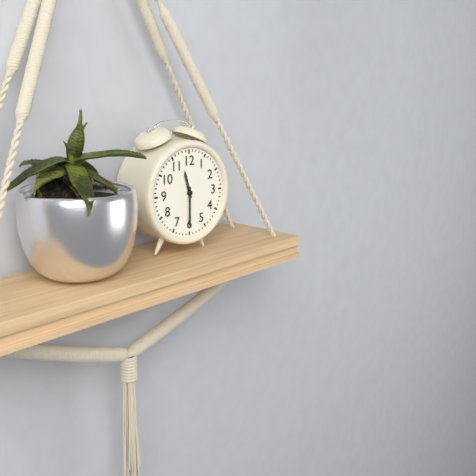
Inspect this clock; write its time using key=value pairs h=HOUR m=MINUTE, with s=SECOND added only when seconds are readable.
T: h=11 m=30
